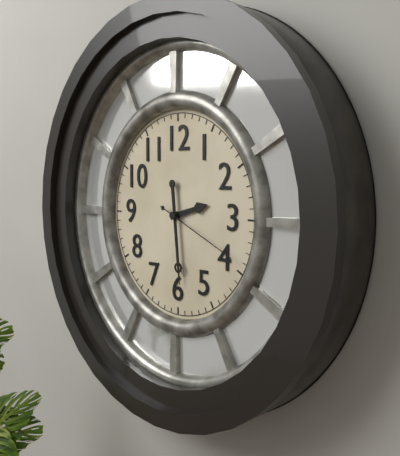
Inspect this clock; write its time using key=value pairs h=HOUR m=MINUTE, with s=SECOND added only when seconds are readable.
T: h=2 m=29 s=19
